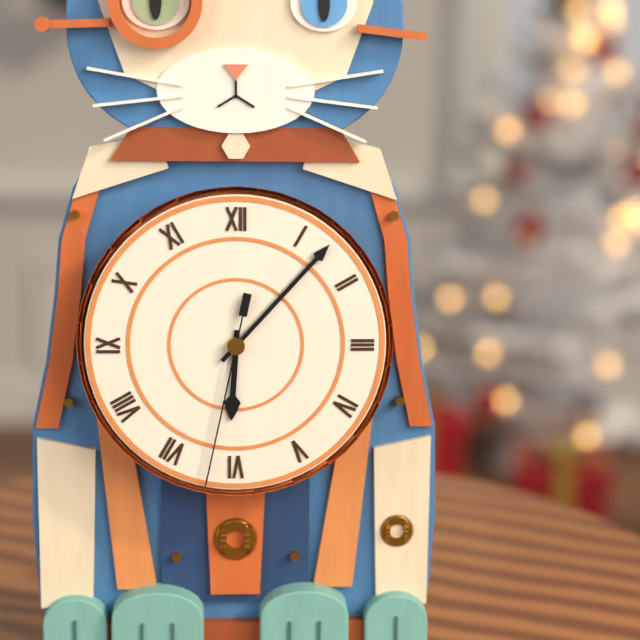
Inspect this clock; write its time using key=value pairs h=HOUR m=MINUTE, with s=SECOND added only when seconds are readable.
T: h=6 m=7 s=32
